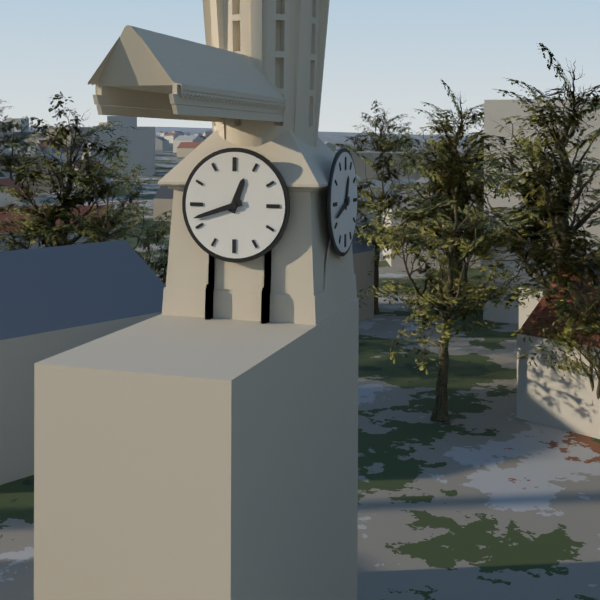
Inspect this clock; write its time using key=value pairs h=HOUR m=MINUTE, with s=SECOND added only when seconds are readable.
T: h=12 m=42
